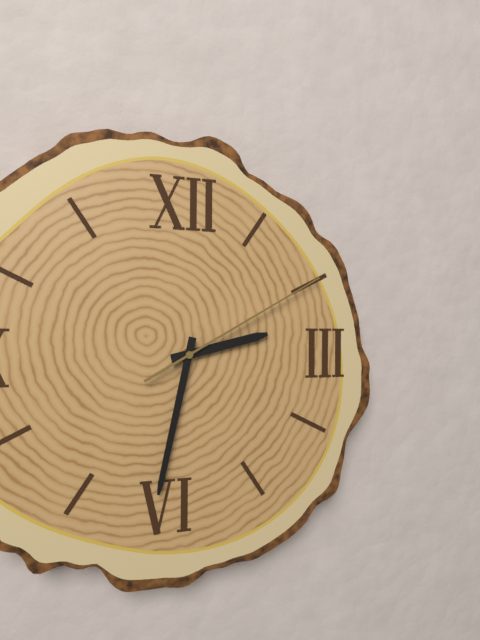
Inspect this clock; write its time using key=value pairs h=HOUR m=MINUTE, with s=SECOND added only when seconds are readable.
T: h=2 m=32 s=10
